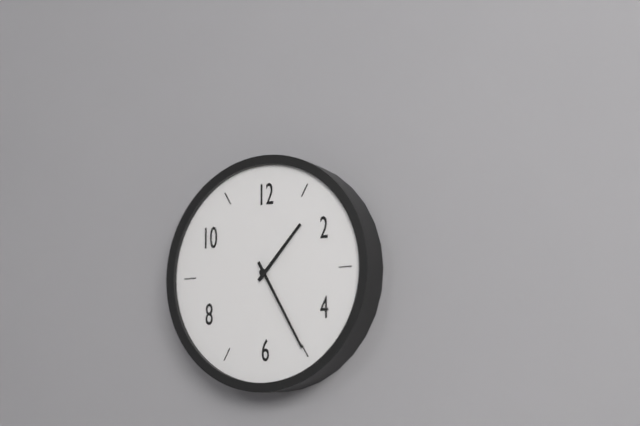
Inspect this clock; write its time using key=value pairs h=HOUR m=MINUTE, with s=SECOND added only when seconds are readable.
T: h=1 m=25
